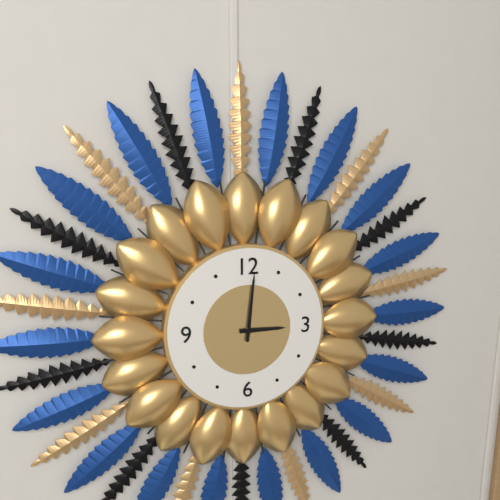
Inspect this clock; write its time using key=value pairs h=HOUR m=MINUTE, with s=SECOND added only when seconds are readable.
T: h=3 m=1
